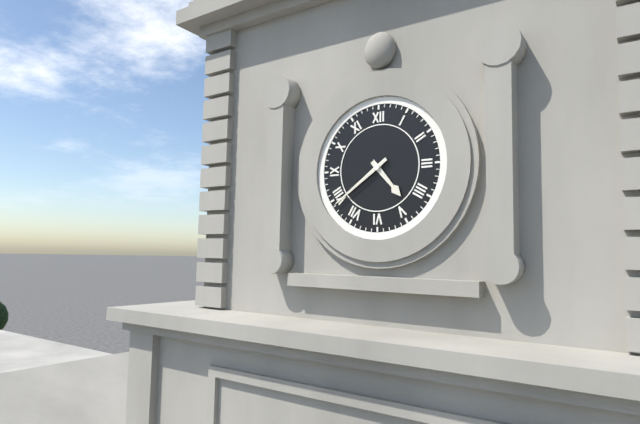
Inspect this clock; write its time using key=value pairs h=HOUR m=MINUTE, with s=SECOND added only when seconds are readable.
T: h=4 m=39
